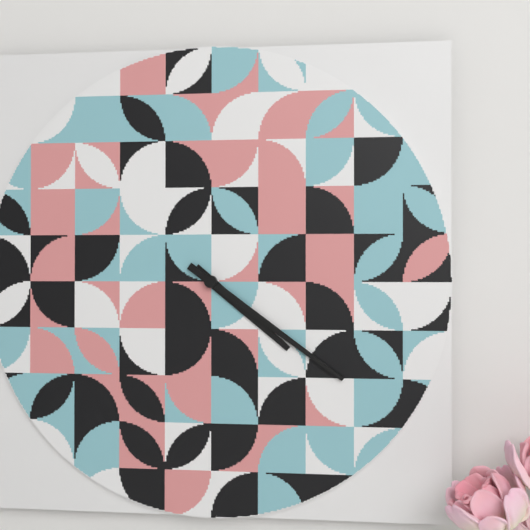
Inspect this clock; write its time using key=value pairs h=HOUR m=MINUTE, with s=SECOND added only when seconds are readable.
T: h=4 m=21
